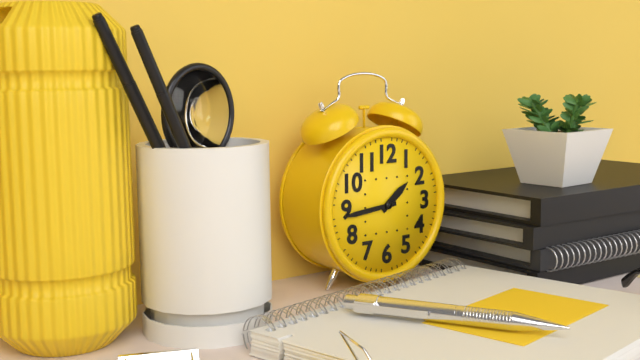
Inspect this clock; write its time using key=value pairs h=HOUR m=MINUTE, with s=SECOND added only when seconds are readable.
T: h=1 m=44
